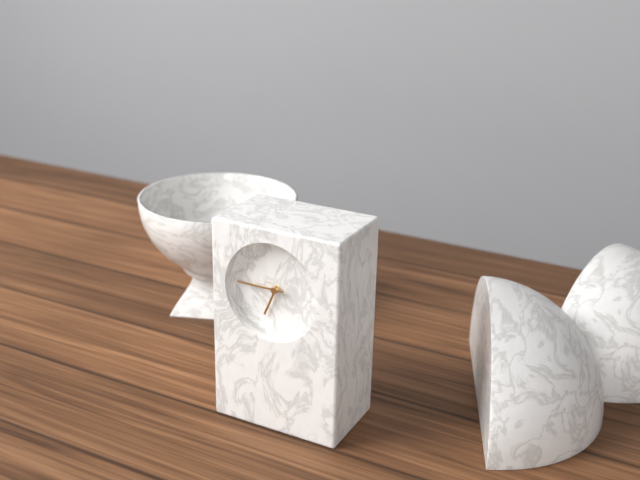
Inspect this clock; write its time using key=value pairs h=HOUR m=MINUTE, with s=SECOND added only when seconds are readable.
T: h=6 m=45
